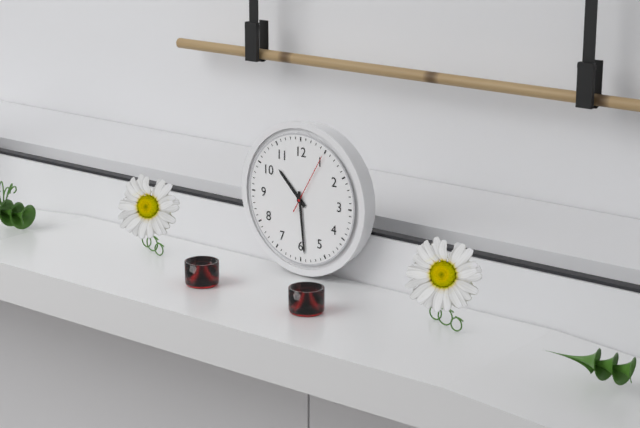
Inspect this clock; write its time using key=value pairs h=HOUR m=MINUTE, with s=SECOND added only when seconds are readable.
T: h=10 m=29 s=5
